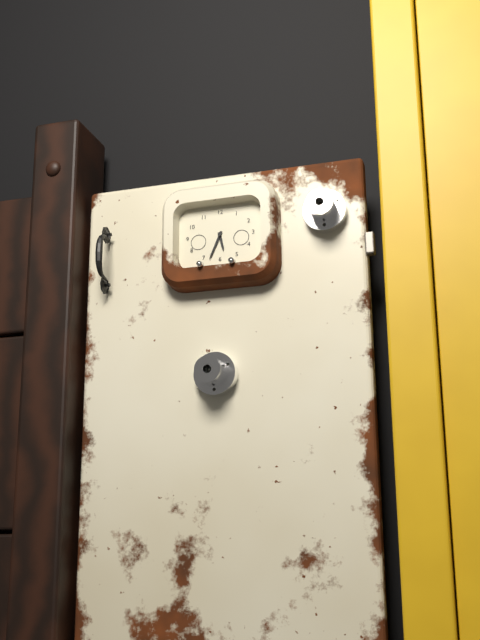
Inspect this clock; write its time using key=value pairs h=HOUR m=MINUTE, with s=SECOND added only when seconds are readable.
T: h=5 m=34
